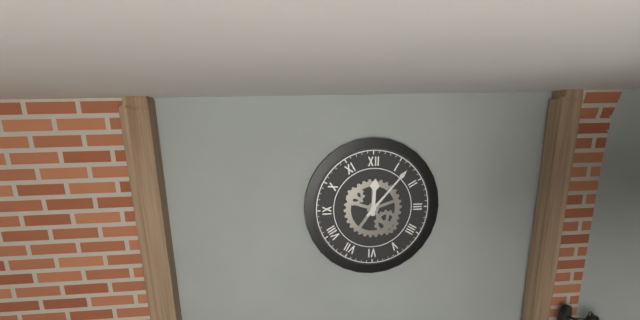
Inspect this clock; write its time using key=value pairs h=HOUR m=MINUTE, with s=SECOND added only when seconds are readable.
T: h=12 m=7
